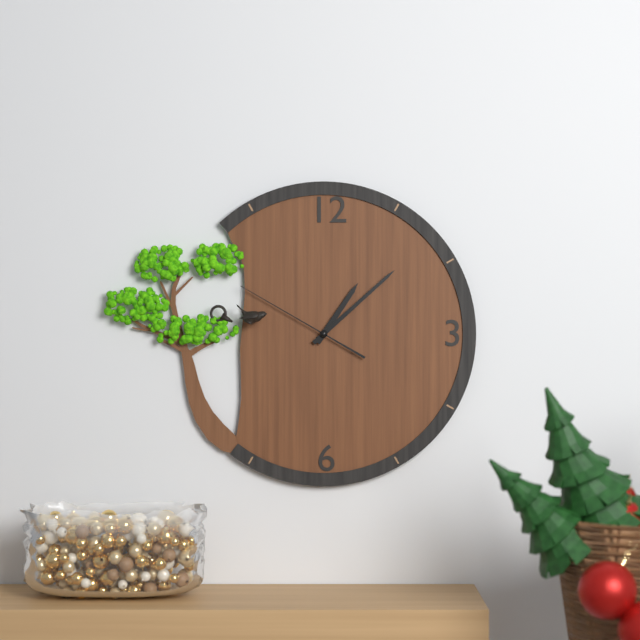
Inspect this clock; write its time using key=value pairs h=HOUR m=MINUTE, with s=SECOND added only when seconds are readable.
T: h=1 m=8 s=50
